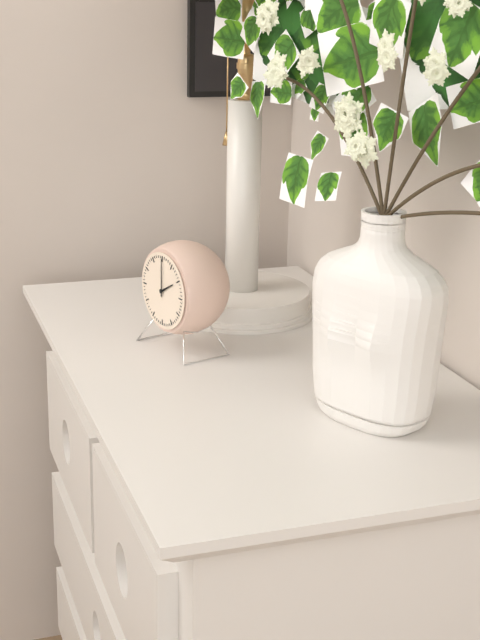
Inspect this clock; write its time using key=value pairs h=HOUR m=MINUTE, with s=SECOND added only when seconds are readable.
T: h=2 m=0
